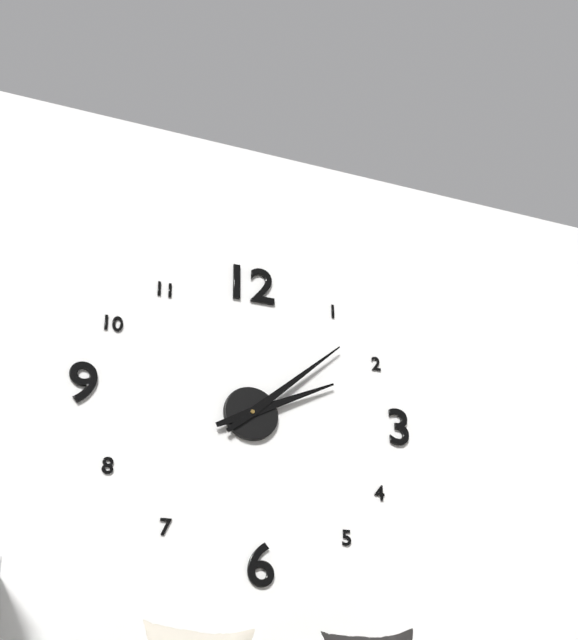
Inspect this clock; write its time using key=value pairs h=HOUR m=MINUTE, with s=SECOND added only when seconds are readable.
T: h=2 m=8
